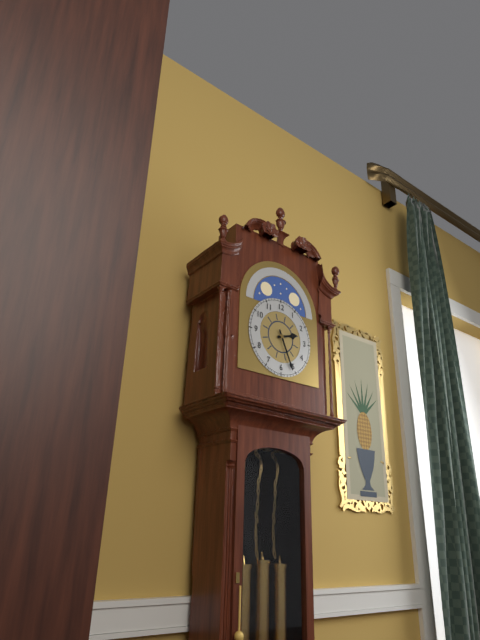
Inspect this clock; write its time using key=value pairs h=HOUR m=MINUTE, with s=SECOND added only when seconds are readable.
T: h=2 m=26
